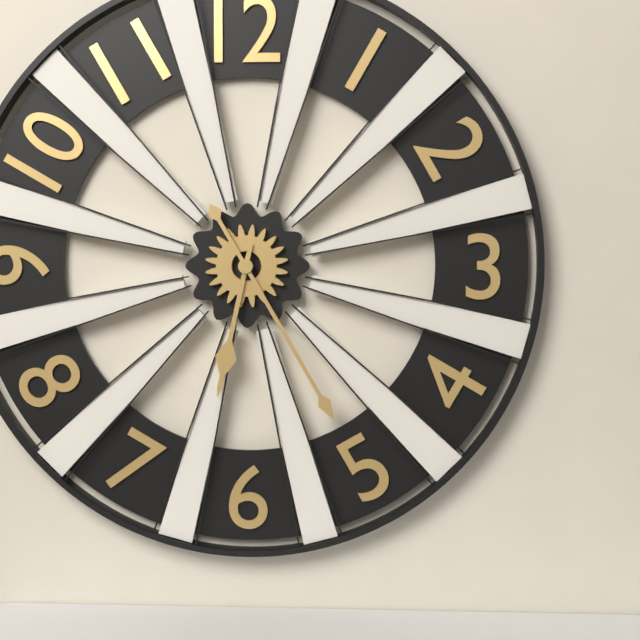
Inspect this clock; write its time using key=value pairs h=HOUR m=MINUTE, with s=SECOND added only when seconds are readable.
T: h=6 m=25
